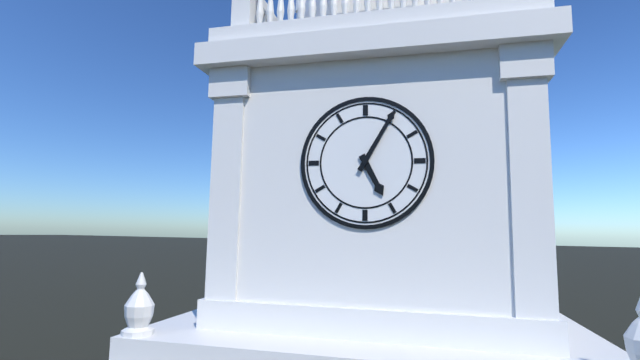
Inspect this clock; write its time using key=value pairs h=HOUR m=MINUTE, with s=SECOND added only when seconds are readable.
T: h=5 m=5
